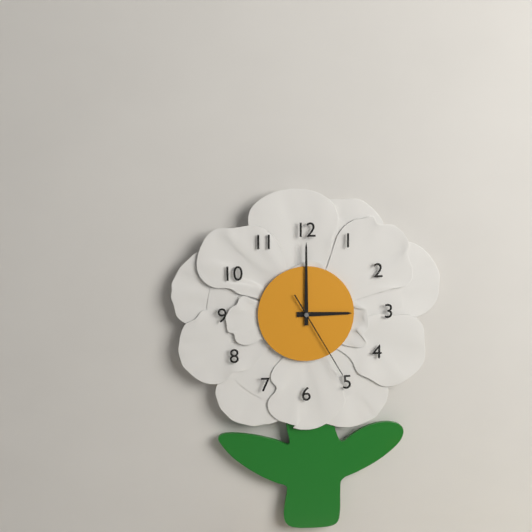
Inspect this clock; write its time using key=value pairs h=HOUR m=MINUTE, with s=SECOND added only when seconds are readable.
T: h=3 m=0 s=25
